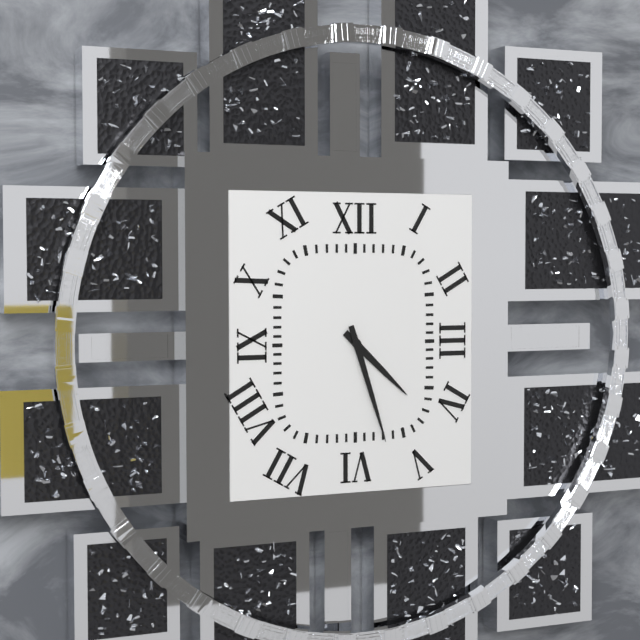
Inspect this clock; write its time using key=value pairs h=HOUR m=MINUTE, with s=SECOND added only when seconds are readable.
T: h=4 m=27
